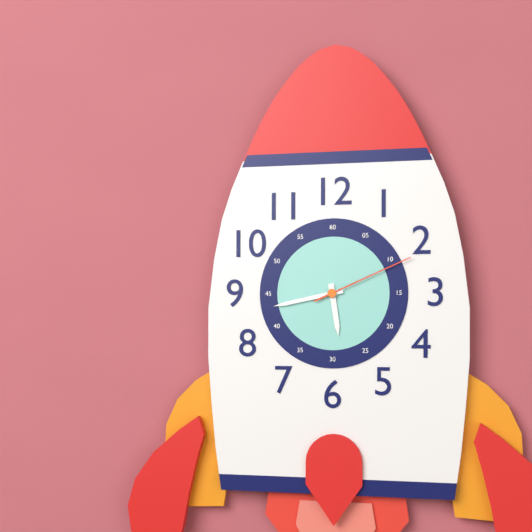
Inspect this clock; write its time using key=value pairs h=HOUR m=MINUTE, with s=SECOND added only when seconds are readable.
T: h=5 m=43 s=11
